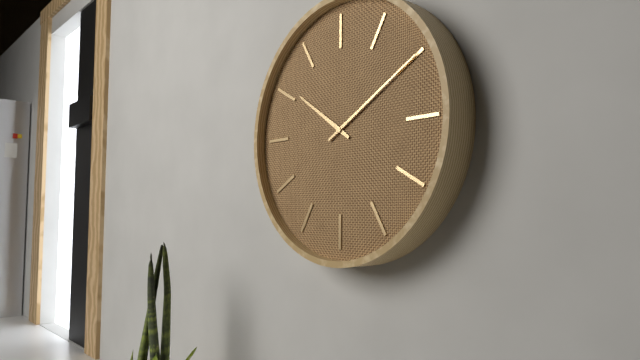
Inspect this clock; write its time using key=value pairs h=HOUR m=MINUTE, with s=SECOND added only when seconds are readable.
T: h=10 m=10
